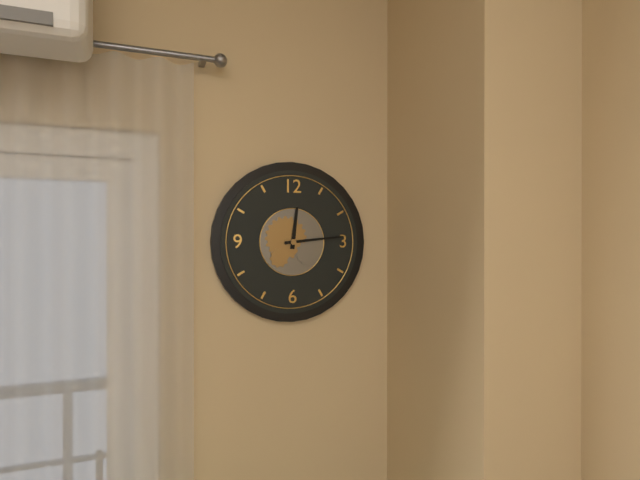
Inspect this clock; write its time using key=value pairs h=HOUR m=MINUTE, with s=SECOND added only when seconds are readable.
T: h=12 m=14
